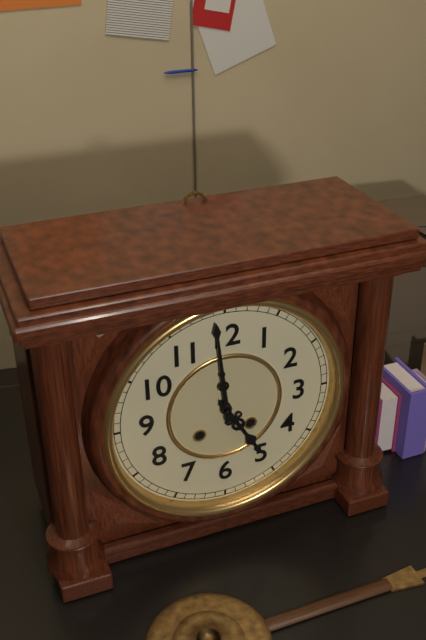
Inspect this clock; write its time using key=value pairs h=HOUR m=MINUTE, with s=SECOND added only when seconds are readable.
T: h=4 m=59
